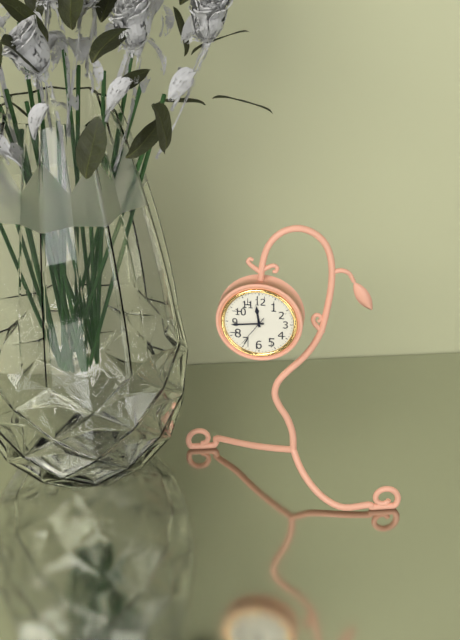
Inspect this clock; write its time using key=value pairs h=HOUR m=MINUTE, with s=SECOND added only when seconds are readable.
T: h=11 m=44
